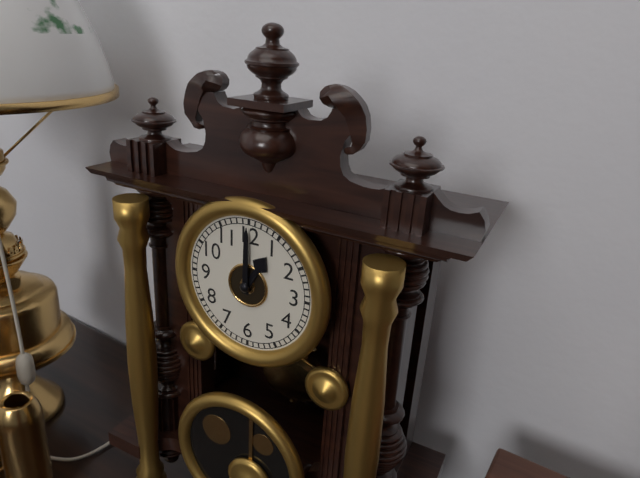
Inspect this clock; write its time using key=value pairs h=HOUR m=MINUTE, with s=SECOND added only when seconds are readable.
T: h=1 m=0
